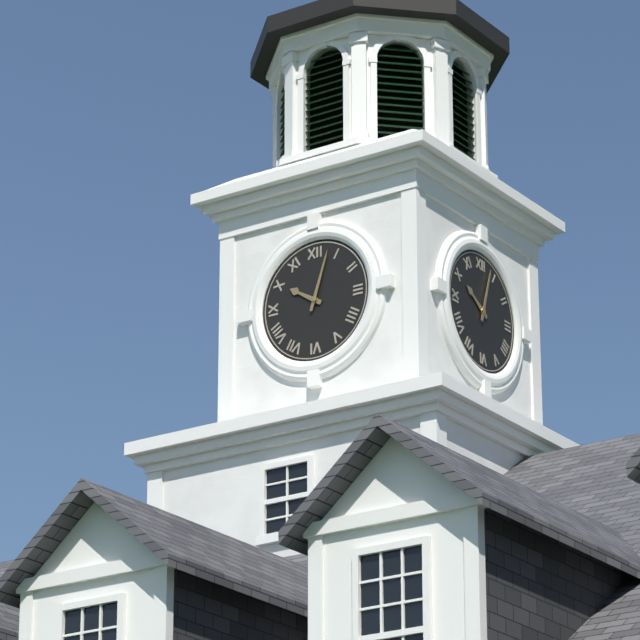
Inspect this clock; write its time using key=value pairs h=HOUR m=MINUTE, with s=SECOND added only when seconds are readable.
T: h=10 m=3
